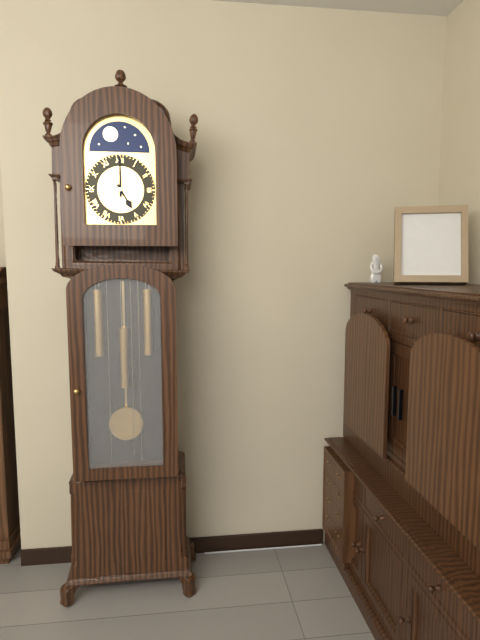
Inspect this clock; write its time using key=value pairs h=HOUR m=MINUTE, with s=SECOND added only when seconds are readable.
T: h=5 m=0
